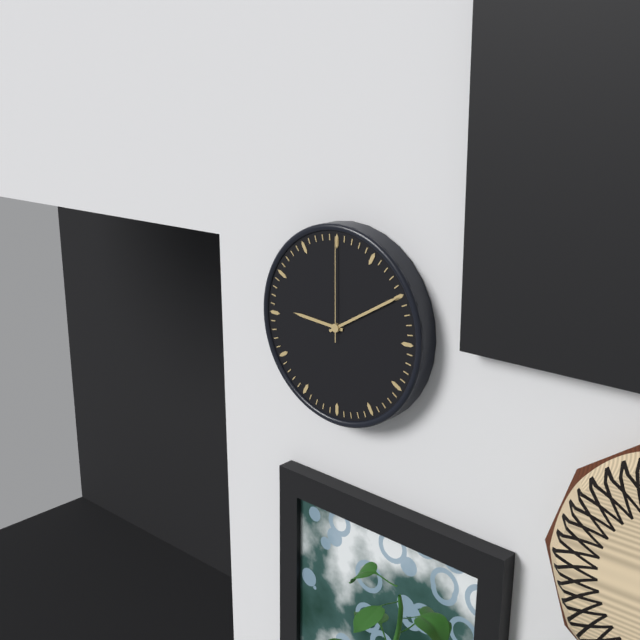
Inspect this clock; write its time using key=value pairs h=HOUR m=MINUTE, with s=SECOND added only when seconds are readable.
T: h=9 m=10 s=0
